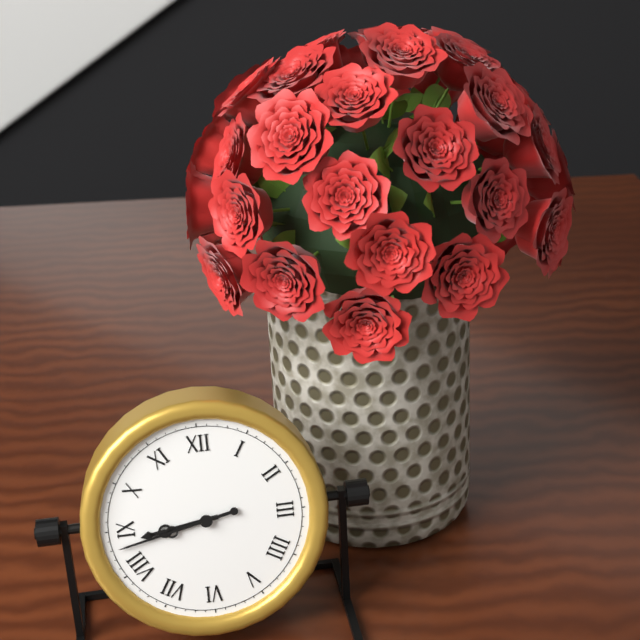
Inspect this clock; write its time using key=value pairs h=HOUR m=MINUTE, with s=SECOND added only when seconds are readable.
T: h=8 m=43
